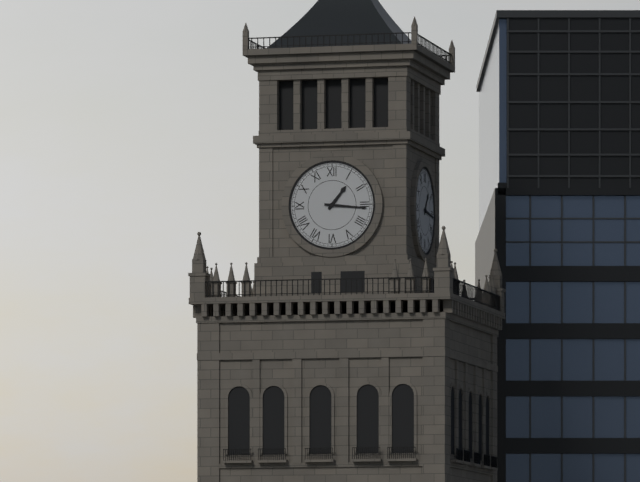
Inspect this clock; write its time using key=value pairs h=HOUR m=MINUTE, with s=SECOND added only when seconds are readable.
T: h=1 m=16
